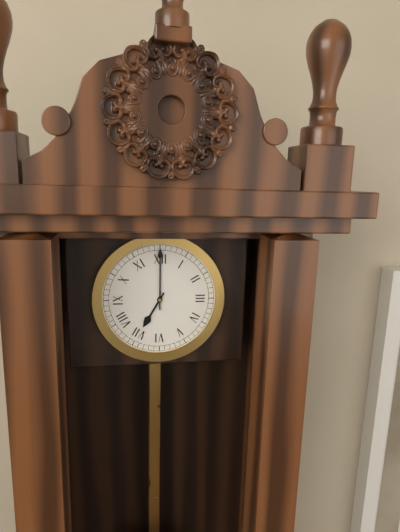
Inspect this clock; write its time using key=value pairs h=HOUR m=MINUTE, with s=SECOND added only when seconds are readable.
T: h=7 m=0
